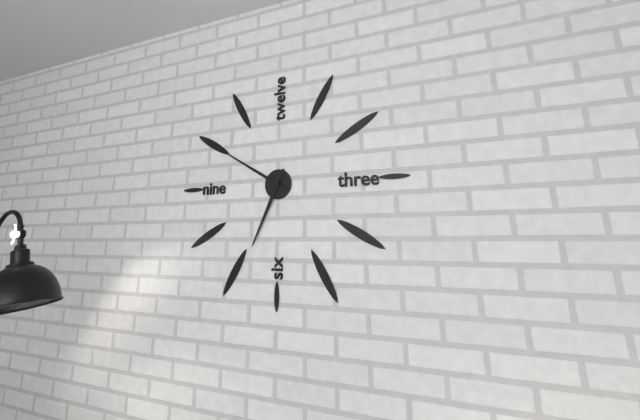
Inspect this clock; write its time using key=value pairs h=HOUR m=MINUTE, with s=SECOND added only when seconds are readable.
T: h=6 m=50
